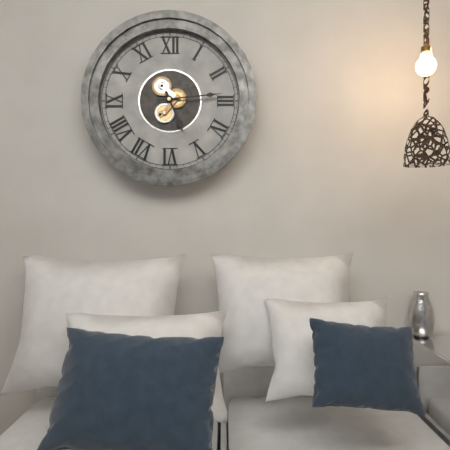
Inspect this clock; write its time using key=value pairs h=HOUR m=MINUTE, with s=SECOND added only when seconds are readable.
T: h=5 m=14
